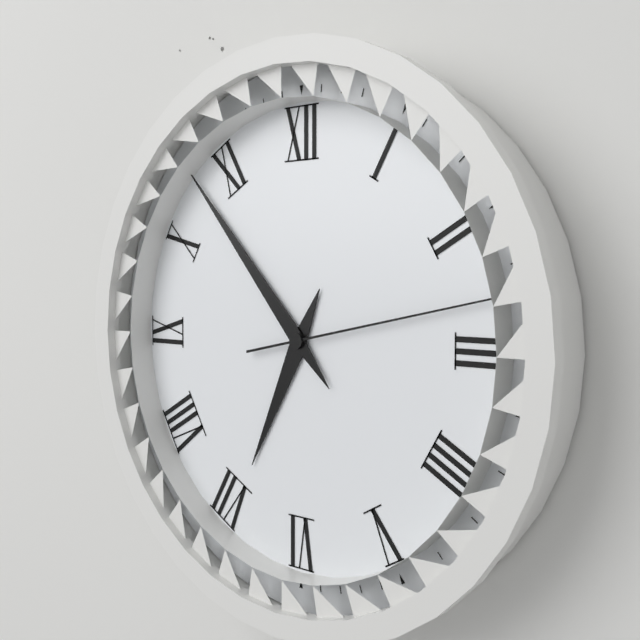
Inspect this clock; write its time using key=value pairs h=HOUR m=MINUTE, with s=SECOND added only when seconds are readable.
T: h=6 m=53 s=13
